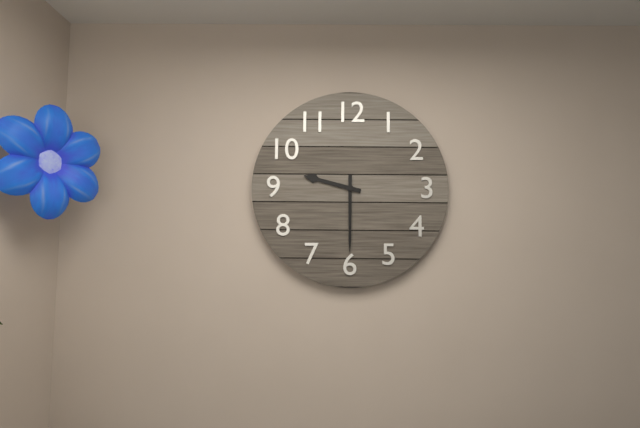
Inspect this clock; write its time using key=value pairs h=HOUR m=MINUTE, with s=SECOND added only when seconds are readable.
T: h=9 m=30
